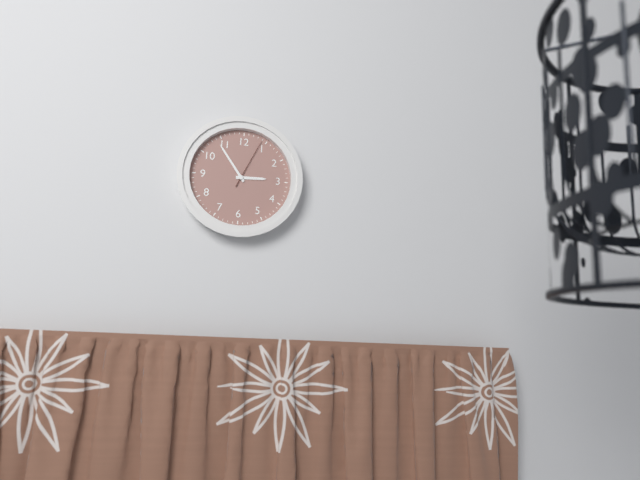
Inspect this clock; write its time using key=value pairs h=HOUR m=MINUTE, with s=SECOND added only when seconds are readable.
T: h=2 m=54 s=4
